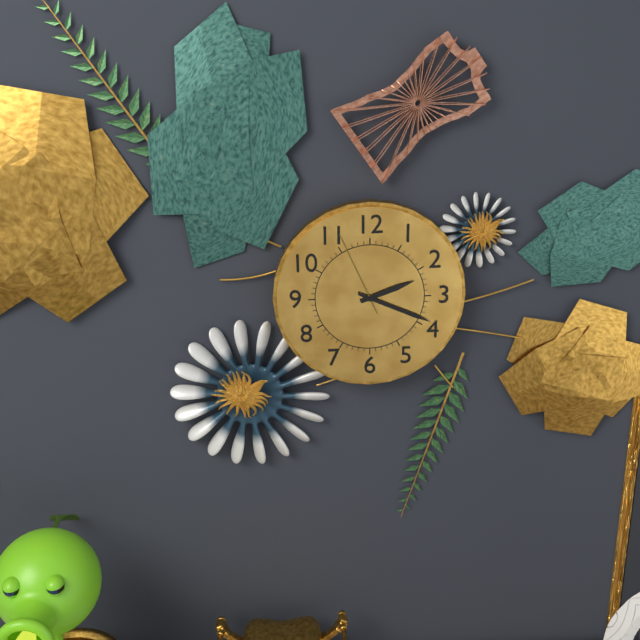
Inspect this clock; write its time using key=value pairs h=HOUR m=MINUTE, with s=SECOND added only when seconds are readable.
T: h=2 m=19 s=56
